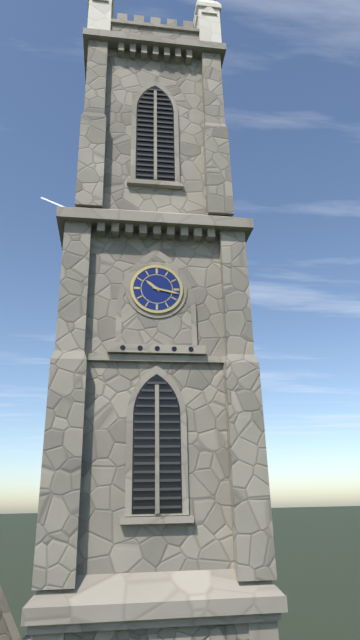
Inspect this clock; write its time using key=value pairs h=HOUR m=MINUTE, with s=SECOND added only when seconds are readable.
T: h=10 m=17
